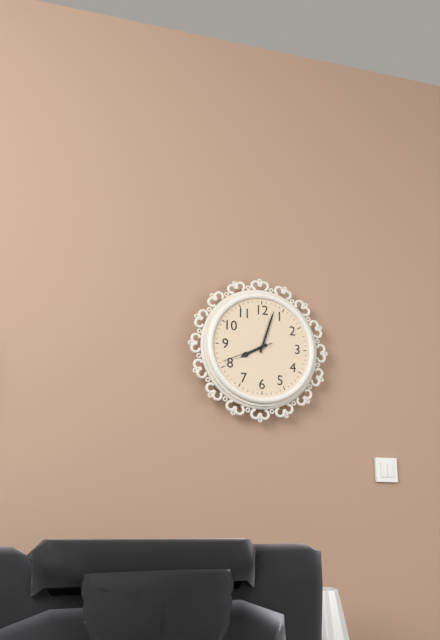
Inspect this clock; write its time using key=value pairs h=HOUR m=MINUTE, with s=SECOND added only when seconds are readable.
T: h=8 m=3 s=41
